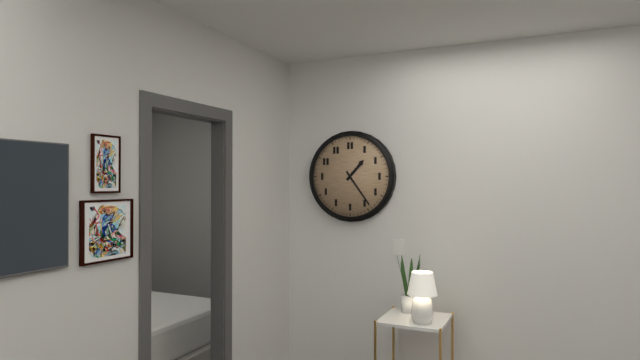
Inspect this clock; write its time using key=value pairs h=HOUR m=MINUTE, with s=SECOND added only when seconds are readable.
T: h=1 m=24
